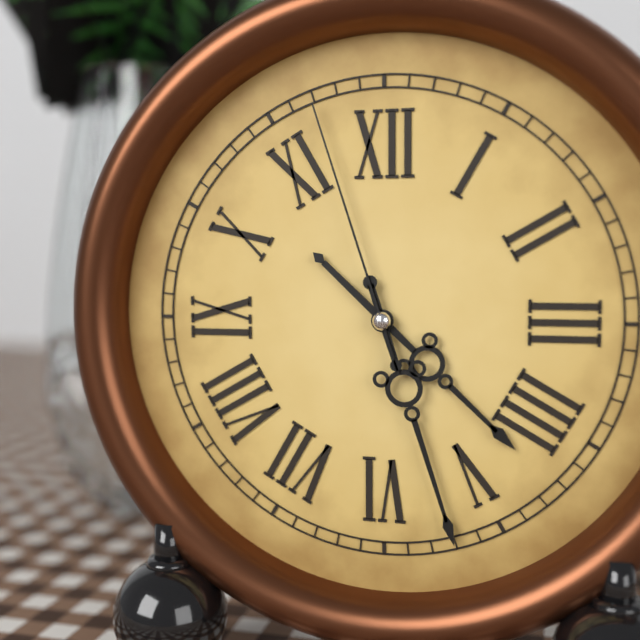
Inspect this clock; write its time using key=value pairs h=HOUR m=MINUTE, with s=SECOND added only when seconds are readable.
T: h=4 m=27 s=57
